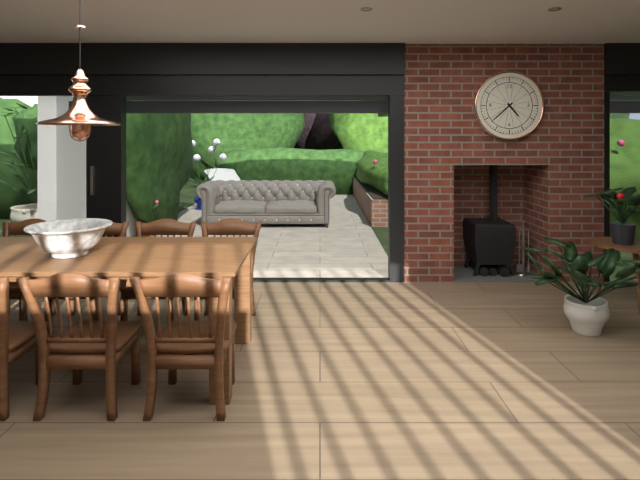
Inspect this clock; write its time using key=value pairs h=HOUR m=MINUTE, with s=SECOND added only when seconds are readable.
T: h=4 m=38
